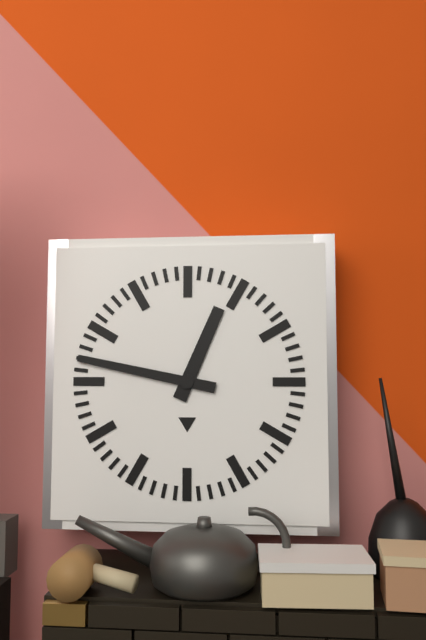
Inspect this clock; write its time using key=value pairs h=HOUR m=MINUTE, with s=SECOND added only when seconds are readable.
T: h=12 m=47
